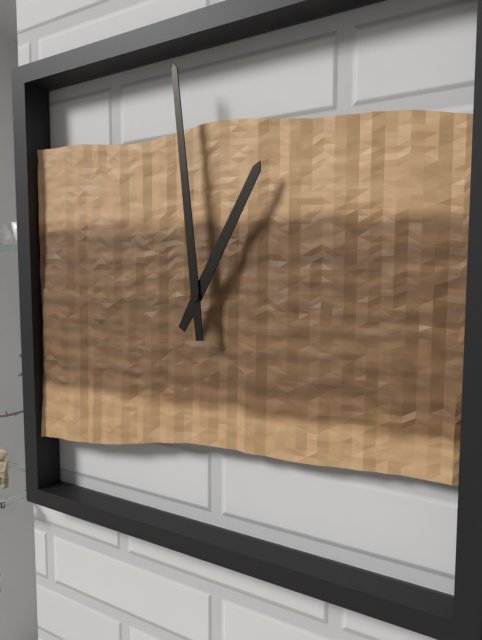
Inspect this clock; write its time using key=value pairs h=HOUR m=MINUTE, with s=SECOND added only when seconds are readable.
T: h=12 m=59
